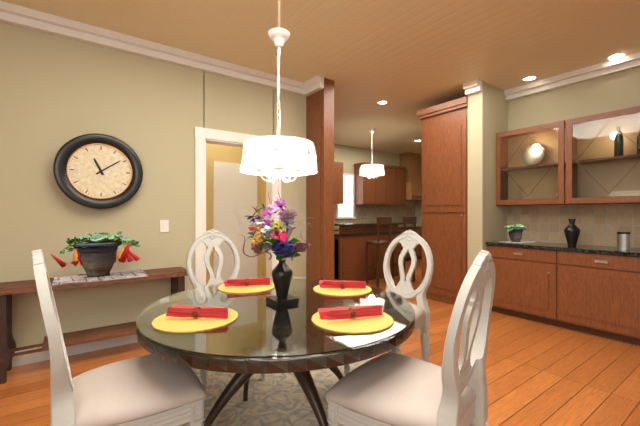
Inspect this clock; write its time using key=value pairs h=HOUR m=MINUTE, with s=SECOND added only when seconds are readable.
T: h=11 m=9
